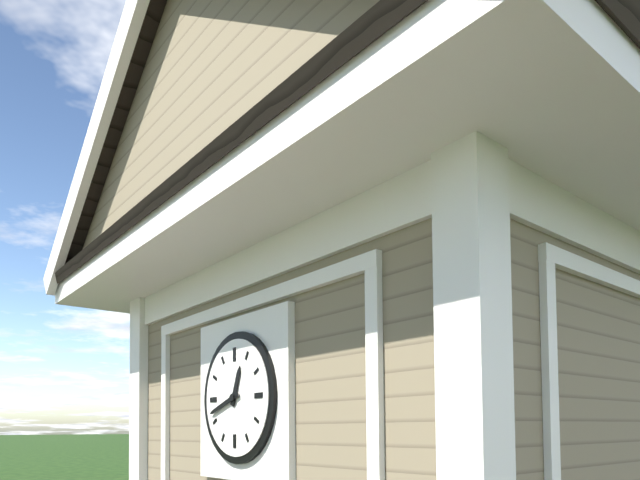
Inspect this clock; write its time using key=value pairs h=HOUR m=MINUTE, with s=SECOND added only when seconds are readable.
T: h=12 m=42
